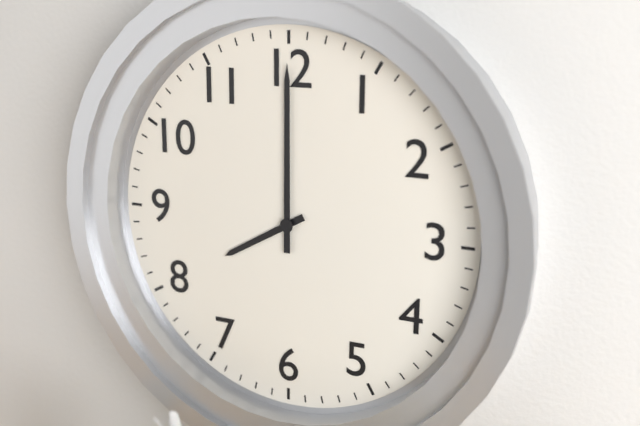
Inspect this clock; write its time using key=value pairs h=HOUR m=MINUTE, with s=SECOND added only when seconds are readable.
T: h=8 m=0
